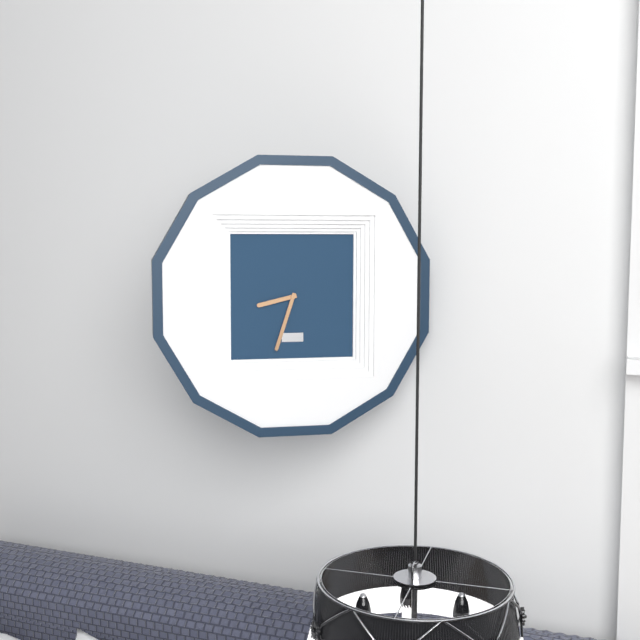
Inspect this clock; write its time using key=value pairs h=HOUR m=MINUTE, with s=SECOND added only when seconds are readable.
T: h=8 m=33
